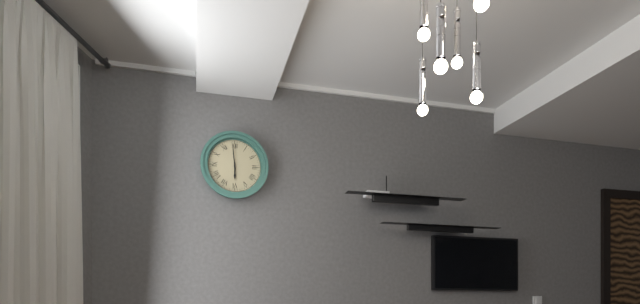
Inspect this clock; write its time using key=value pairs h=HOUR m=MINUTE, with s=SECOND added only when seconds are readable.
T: h=5 m=59
